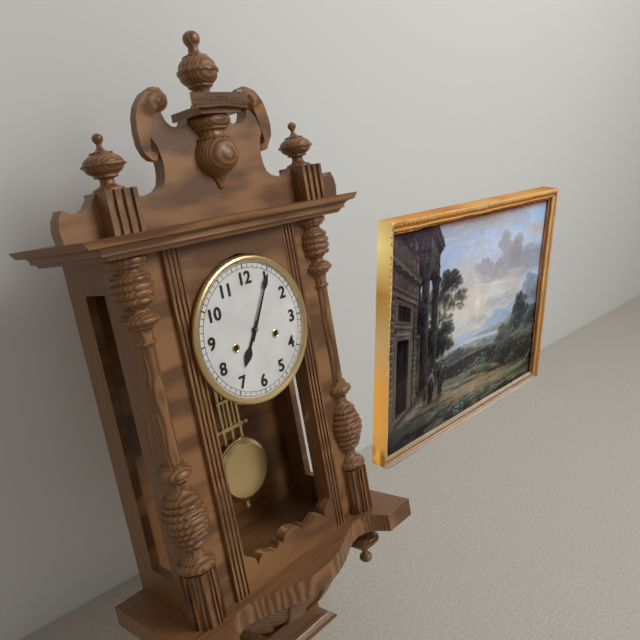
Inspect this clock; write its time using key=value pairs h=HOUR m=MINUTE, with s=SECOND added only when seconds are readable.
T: h=7 m=5
